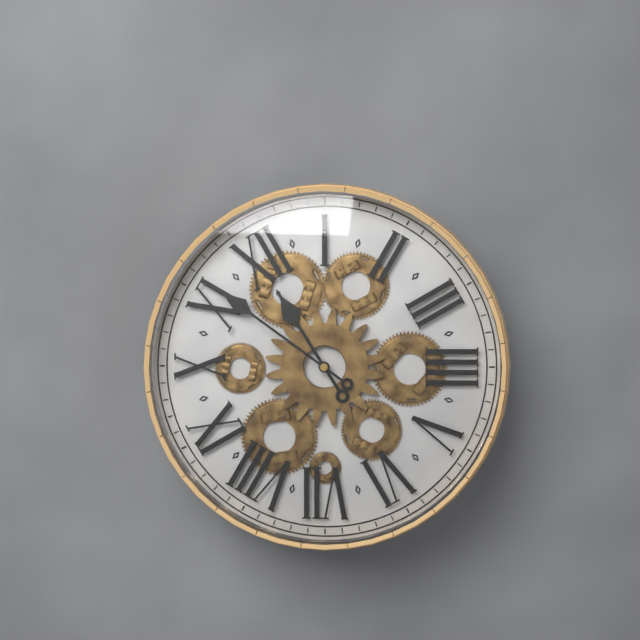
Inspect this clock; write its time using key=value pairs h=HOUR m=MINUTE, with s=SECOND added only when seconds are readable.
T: h=11 m=56
